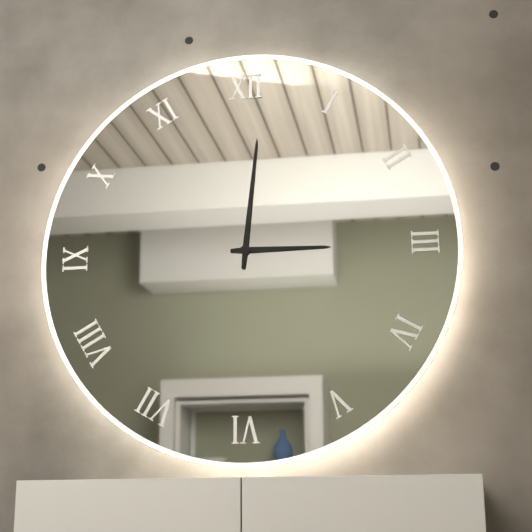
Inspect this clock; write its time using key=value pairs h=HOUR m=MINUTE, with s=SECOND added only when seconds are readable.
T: h=3 m=1
